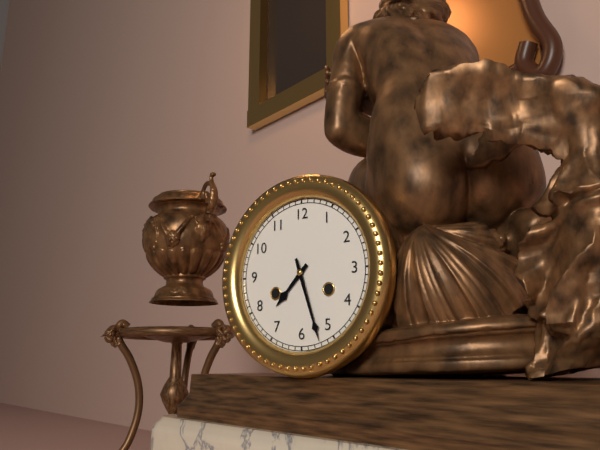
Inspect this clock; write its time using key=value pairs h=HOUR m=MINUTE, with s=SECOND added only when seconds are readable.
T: h=7 m=27
